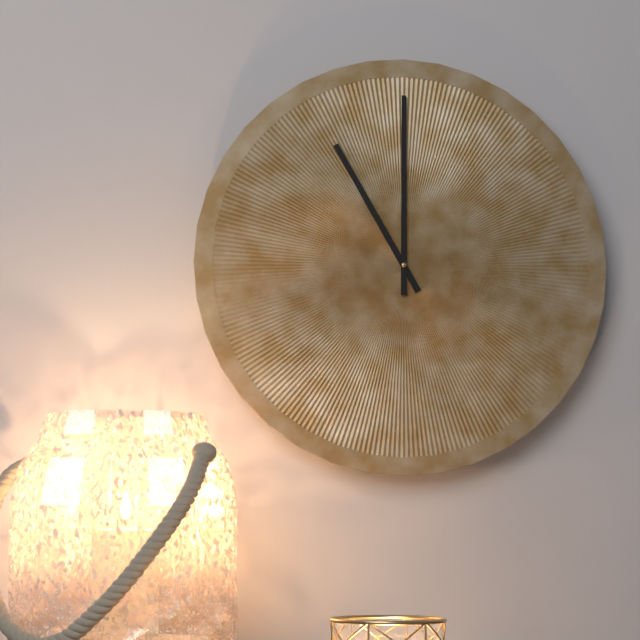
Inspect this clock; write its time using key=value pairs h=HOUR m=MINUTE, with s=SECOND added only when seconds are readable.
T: h=11 m=0
